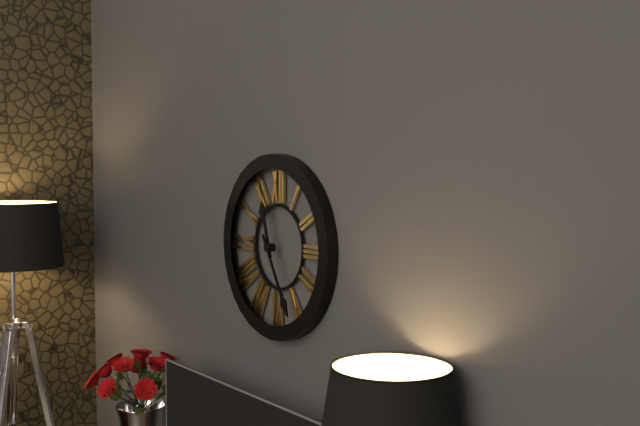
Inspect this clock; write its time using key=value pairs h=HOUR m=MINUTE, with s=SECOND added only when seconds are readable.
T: h=11 m=25
